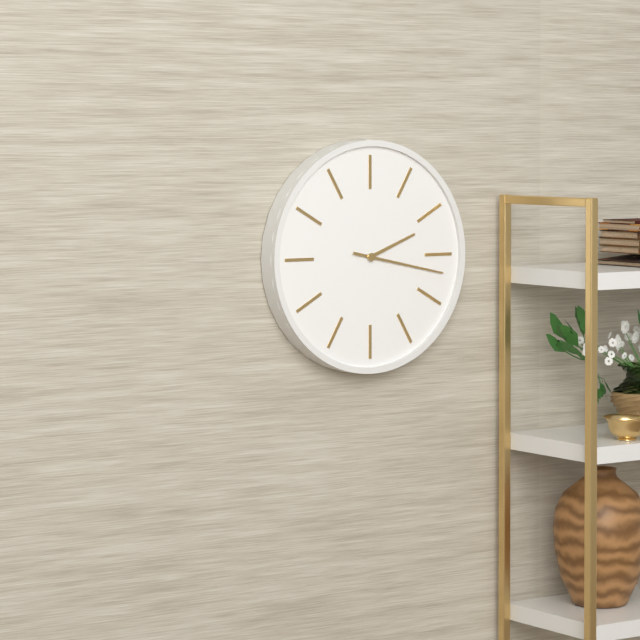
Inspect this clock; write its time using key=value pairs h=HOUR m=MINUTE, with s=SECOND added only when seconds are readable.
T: h=2 m=17
